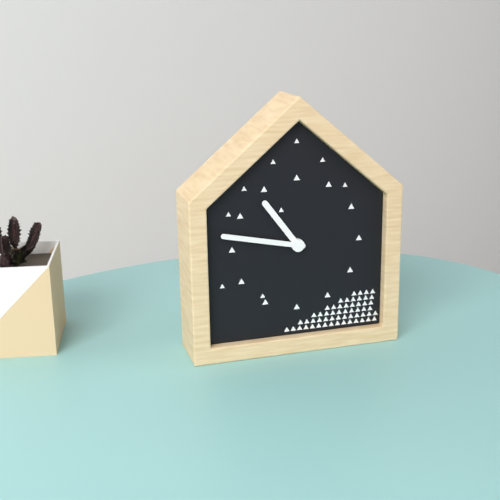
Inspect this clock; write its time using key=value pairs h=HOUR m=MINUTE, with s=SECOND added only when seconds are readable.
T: h=10 m=47
